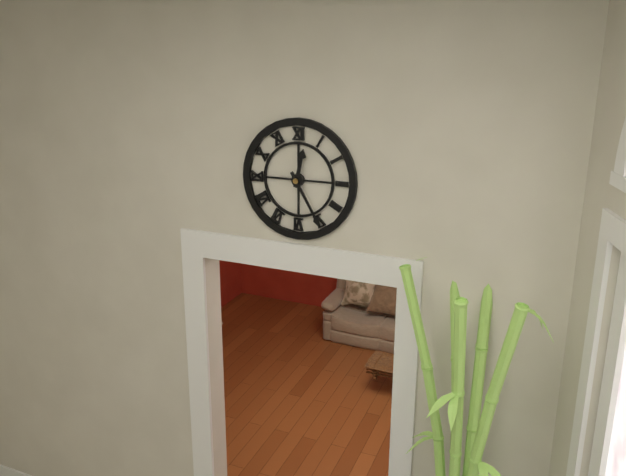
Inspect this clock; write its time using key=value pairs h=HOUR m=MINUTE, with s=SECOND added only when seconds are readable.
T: h=12 m=25
